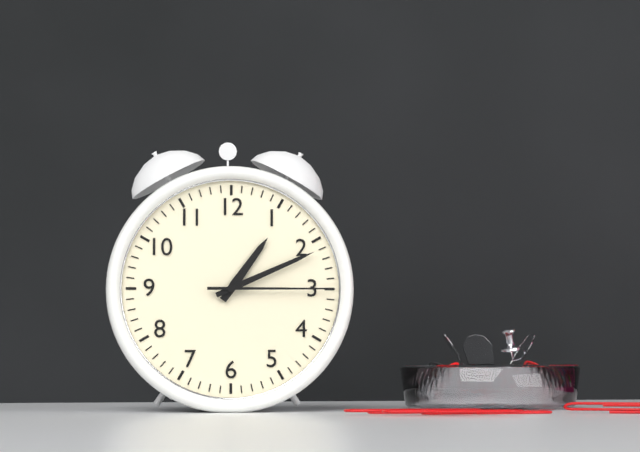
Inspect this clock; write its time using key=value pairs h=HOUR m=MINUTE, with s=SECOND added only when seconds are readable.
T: h=1 m=11 s=15
